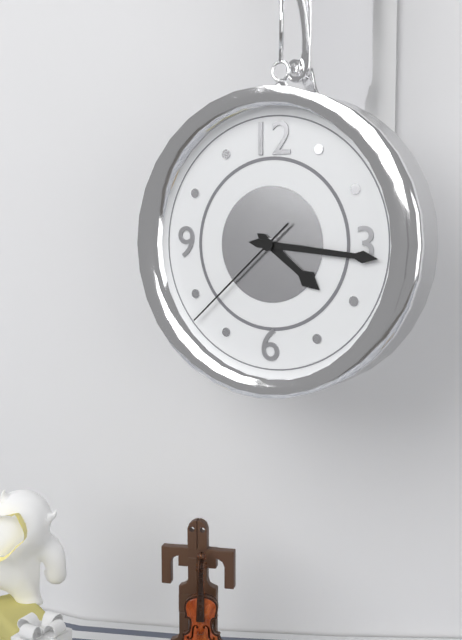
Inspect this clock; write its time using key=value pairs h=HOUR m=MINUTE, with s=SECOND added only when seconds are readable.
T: h=4 m=16 s=38
